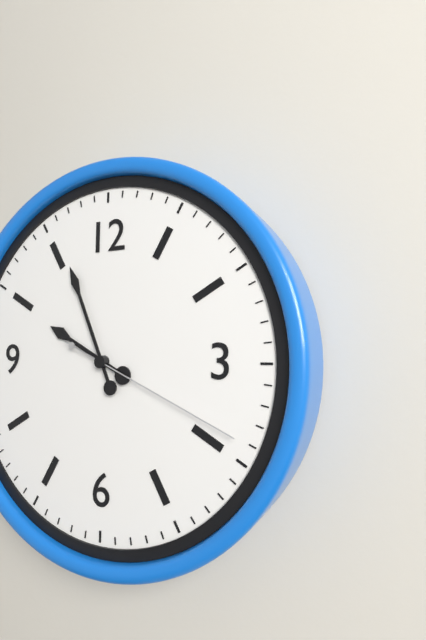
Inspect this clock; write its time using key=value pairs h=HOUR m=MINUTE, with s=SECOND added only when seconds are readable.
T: h=9 m=56 s=19
